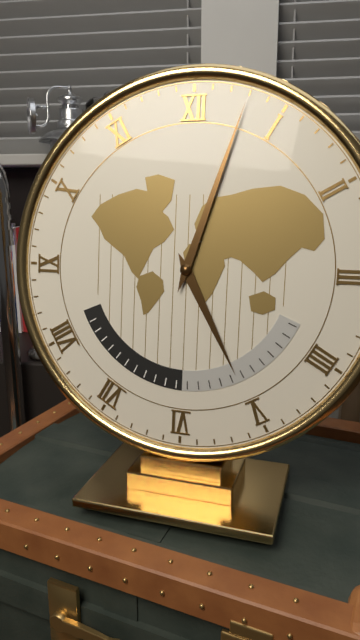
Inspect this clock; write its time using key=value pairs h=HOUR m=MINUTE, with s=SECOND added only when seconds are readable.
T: h=5 m=3
